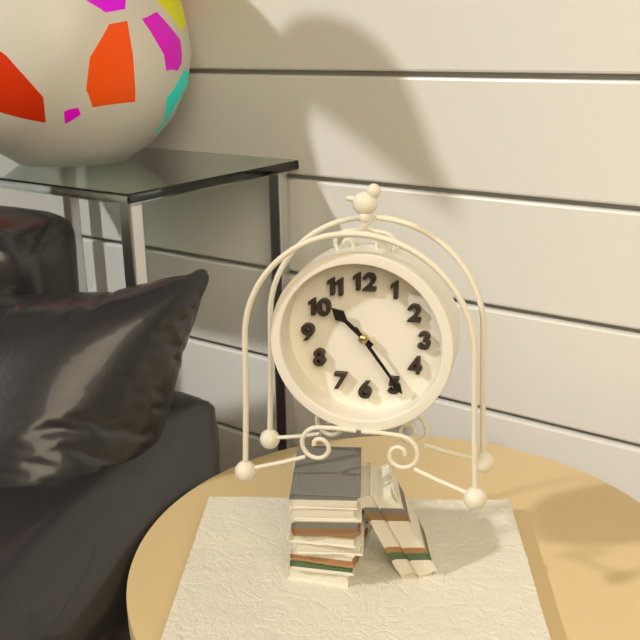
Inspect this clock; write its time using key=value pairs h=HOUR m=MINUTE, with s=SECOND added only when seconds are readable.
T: h=10 m=24
